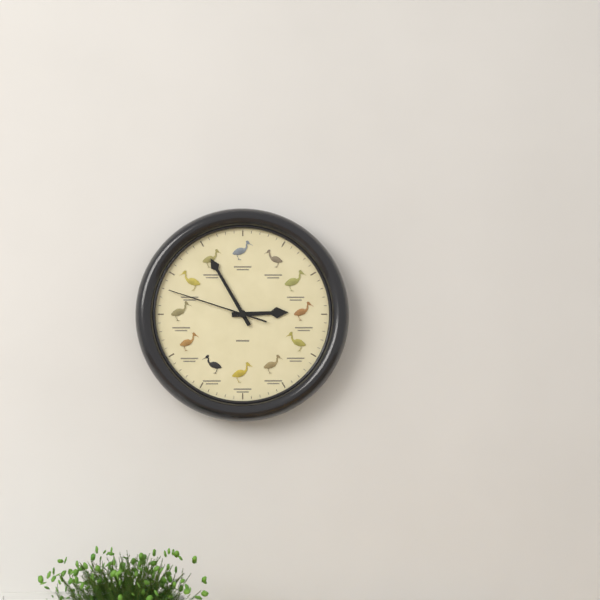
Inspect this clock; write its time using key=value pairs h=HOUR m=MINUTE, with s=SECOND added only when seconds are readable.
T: h=2 m=55 s=48
